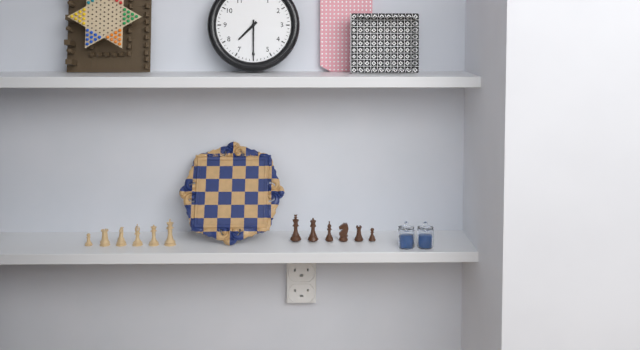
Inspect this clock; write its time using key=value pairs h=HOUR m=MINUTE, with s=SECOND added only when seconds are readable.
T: h=7 m=30
